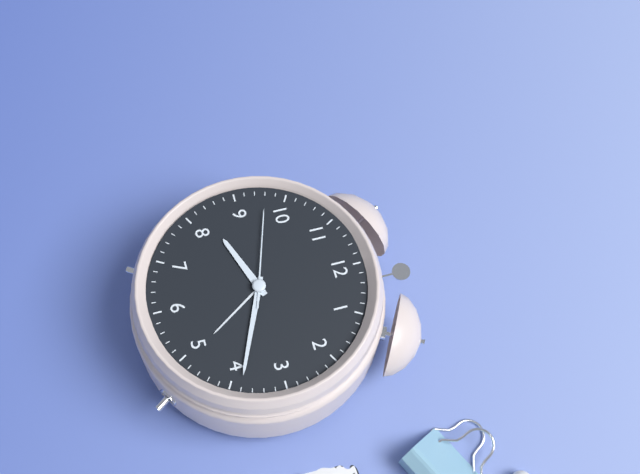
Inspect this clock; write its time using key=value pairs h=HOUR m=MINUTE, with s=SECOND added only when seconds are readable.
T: h=8 m=19 s=48
